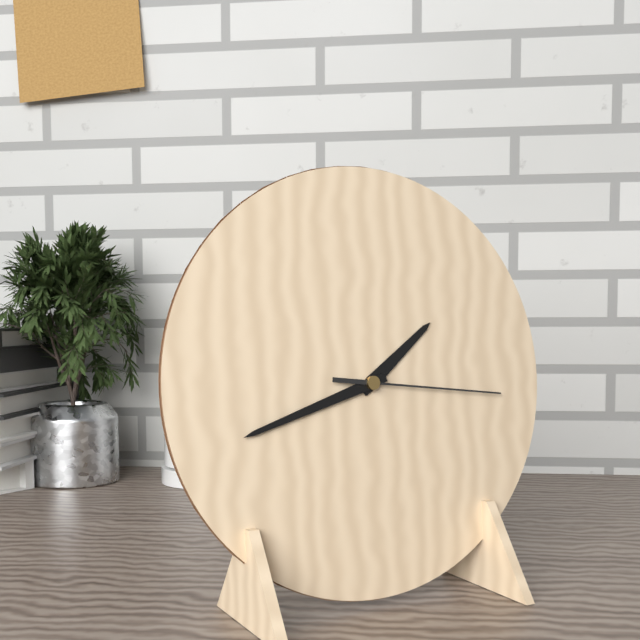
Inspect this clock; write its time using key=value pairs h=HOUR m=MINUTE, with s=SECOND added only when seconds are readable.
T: h=1 m=42 s=16
